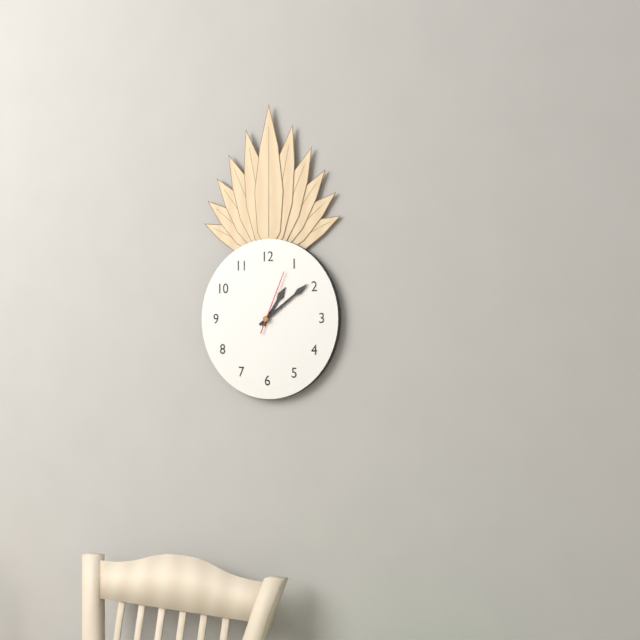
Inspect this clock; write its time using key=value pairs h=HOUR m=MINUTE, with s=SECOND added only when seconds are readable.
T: h=1 m=9 s=4
